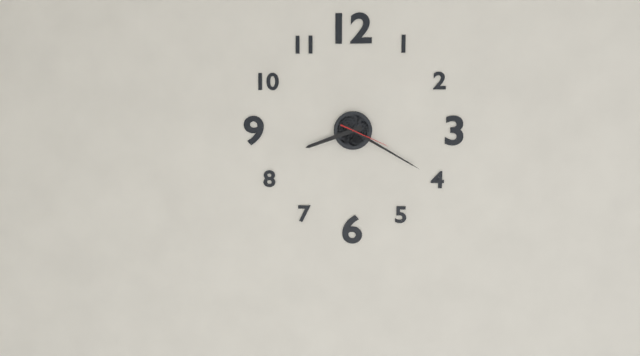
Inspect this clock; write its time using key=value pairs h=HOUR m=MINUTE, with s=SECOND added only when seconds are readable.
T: h=8 m=20
